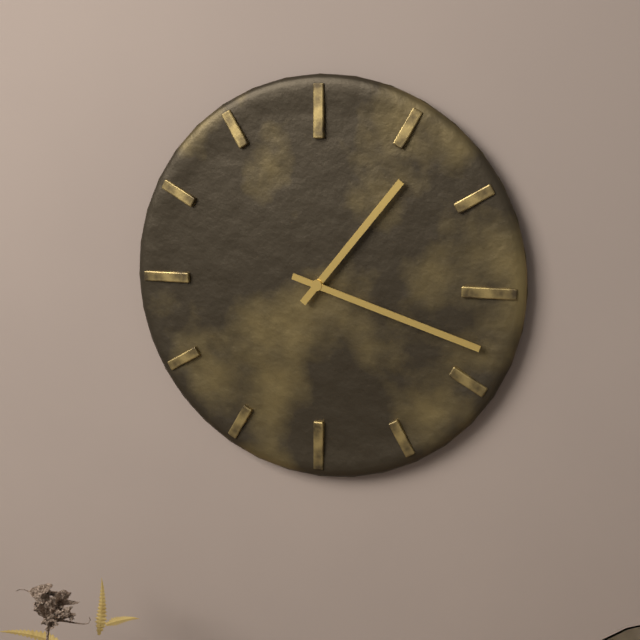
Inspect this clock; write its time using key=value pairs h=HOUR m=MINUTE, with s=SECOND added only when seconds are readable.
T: h=1 m=18
